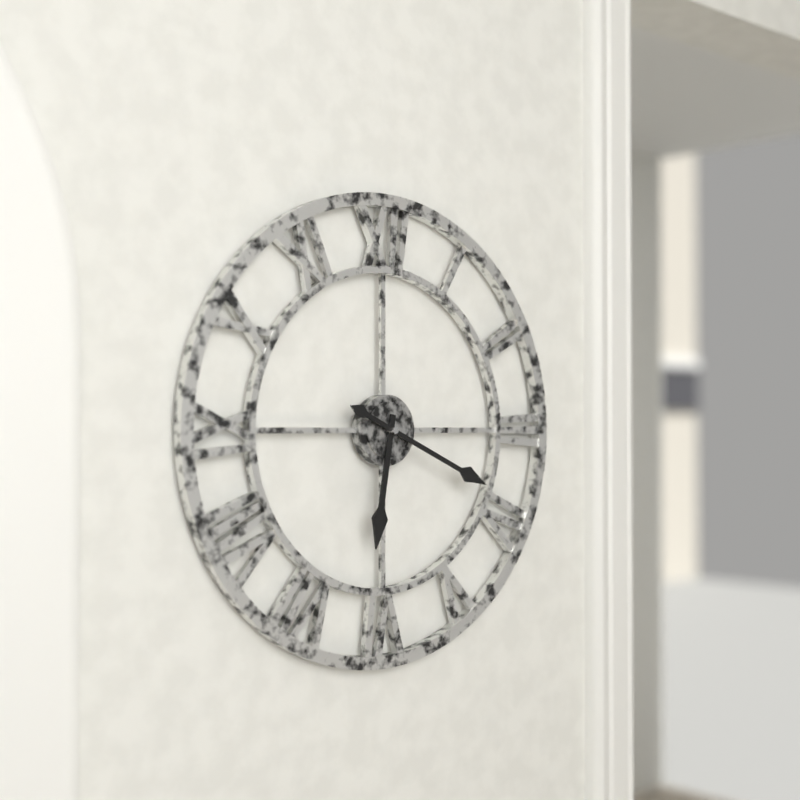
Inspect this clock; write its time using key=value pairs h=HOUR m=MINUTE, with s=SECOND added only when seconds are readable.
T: h=6 m=19
